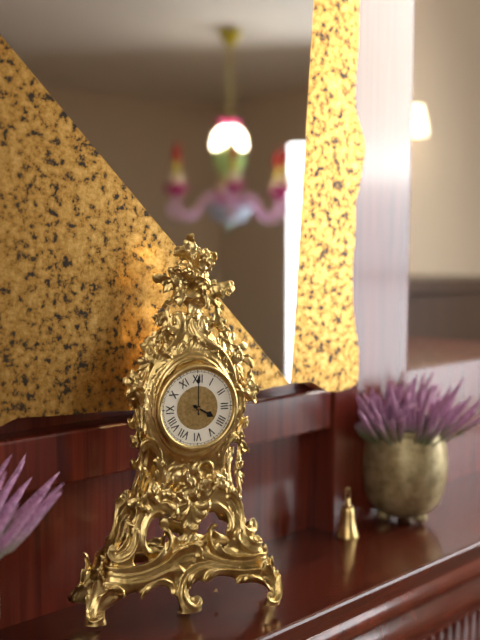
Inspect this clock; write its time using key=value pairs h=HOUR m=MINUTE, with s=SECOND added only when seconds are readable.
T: h=4 m=0
